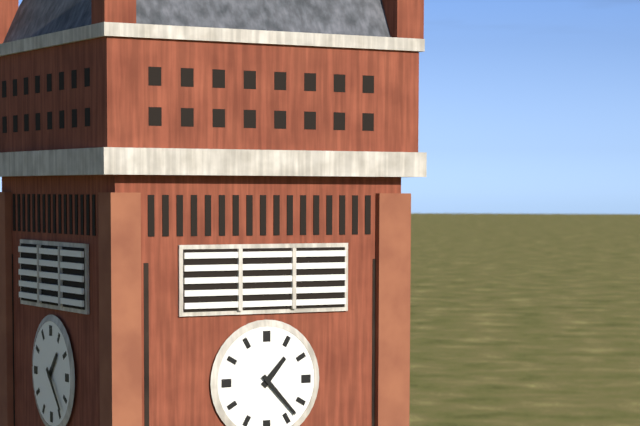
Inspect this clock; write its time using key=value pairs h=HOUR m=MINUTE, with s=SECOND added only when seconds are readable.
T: h=1 m=23
